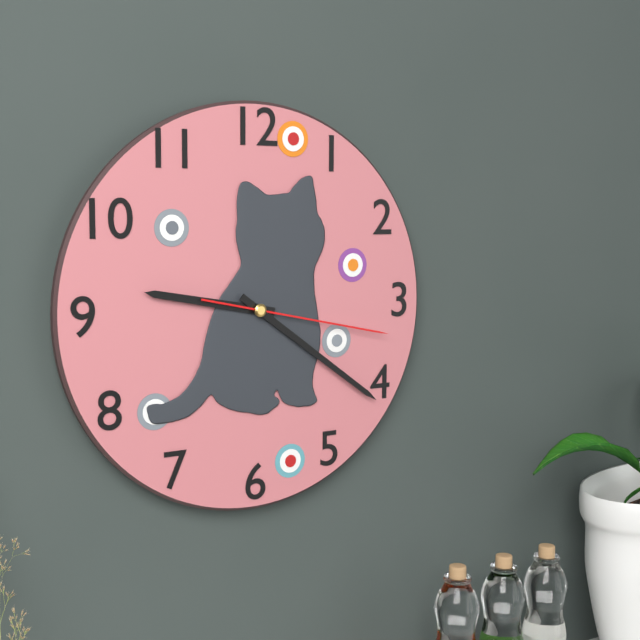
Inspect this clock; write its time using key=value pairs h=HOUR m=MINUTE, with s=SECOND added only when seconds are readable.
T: h=9 m=21 s=17
